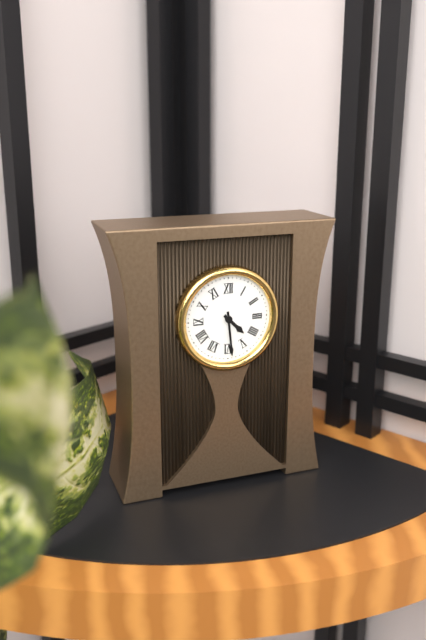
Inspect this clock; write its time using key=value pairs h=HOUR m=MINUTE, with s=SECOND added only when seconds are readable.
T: h=4 m=29
